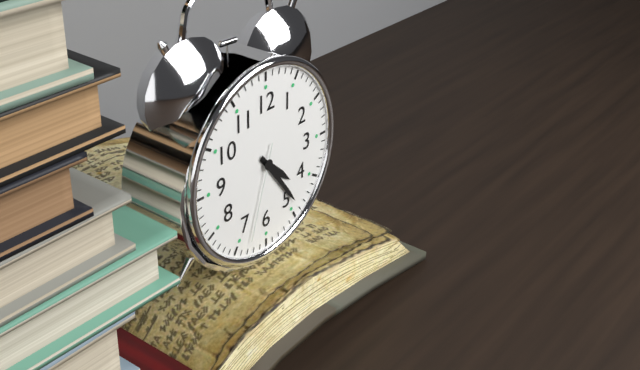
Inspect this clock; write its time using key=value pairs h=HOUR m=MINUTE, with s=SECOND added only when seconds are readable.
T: h=4 m=24 s=33
